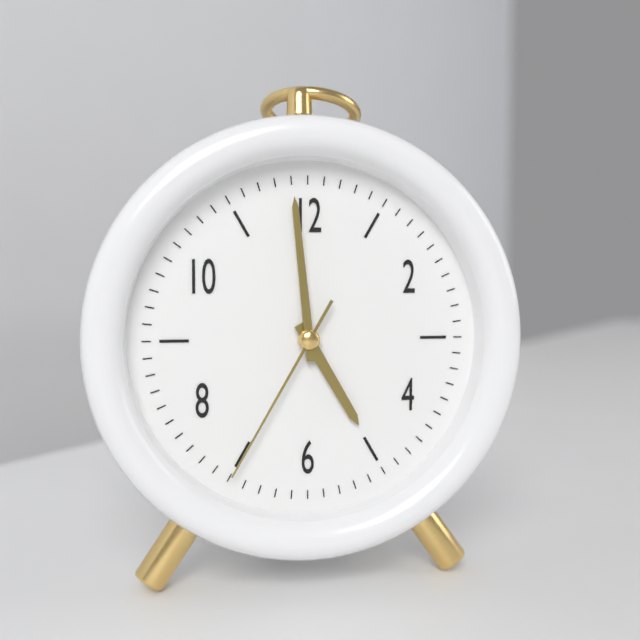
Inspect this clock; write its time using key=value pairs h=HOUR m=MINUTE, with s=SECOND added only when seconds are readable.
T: h=4 m=59 s=35
